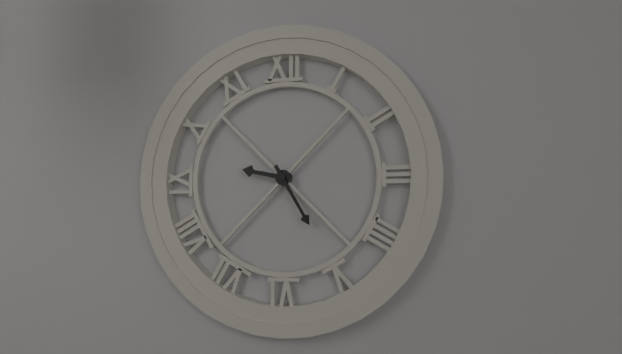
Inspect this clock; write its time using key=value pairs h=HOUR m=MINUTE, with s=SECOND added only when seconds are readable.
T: h=9 m=25
